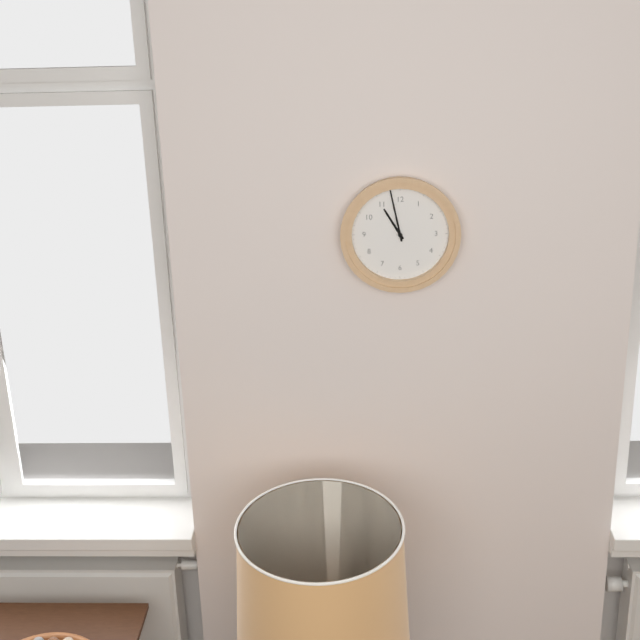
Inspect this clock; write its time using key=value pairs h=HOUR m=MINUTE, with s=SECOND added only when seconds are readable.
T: h=10 m=58
